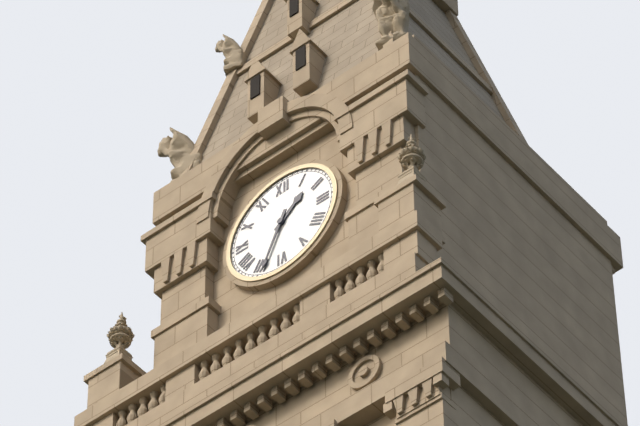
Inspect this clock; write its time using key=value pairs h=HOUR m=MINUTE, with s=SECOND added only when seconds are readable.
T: h=1 m=34
